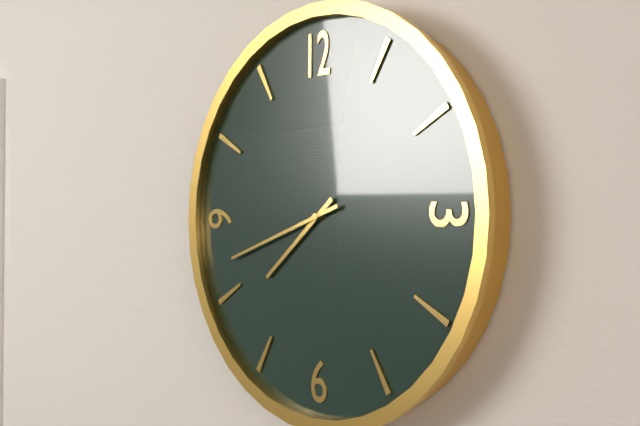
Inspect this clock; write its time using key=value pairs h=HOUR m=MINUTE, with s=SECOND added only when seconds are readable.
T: h=7 m=42
